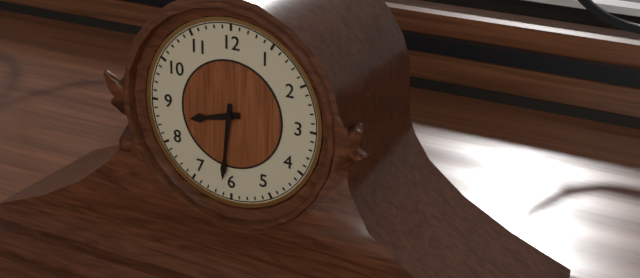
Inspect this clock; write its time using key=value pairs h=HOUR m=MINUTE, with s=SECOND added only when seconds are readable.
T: h=8 m=31
